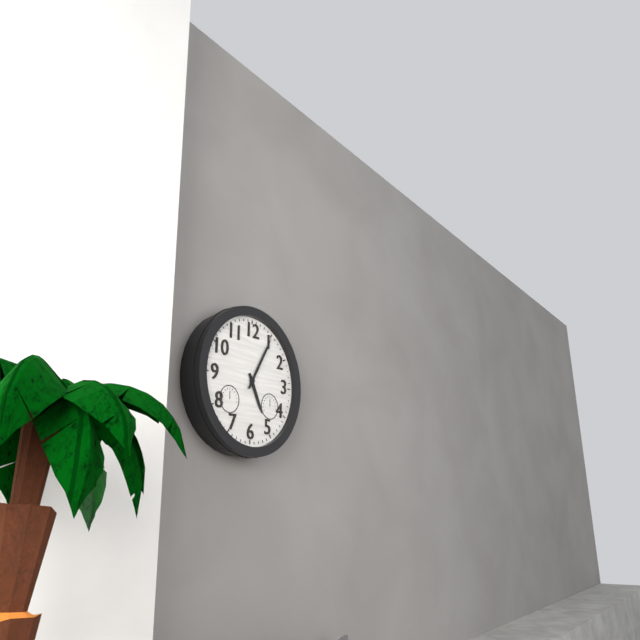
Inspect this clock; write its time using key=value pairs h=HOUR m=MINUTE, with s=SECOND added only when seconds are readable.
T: h=5 m=5
